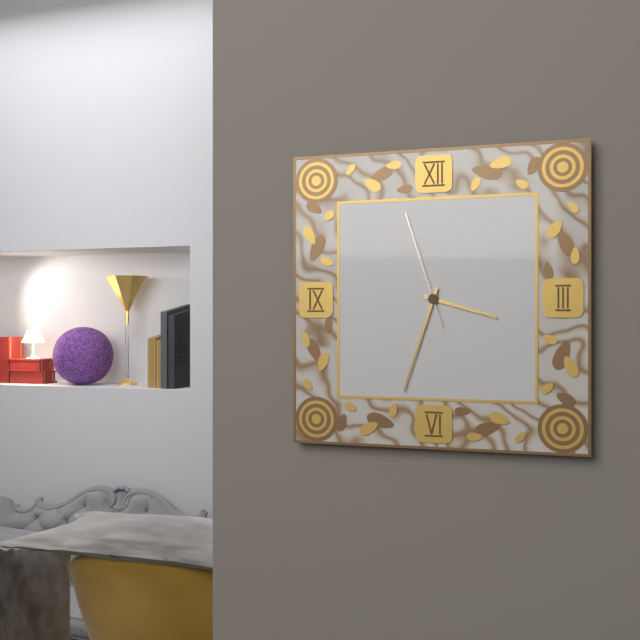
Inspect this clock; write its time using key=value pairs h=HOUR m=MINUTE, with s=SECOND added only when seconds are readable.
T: h=3 m=33 s=57
